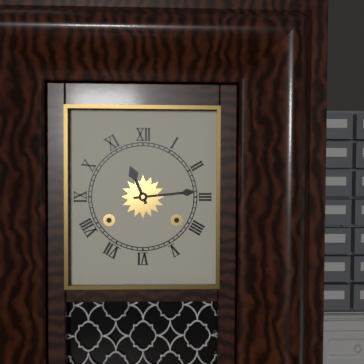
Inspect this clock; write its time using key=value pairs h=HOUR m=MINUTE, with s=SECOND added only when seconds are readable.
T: h=11 m=14
